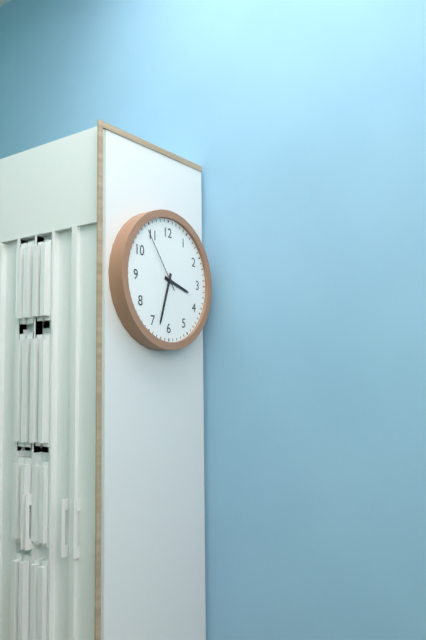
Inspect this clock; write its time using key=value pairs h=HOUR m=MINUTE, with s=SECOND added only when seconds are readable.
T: h=3 m=33 s=54
